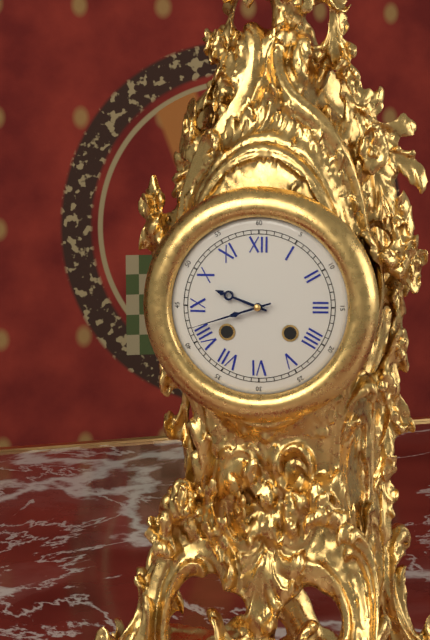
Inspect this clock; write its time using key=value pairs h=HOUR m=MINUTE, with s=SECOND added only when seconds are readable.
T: h=9 m=42
